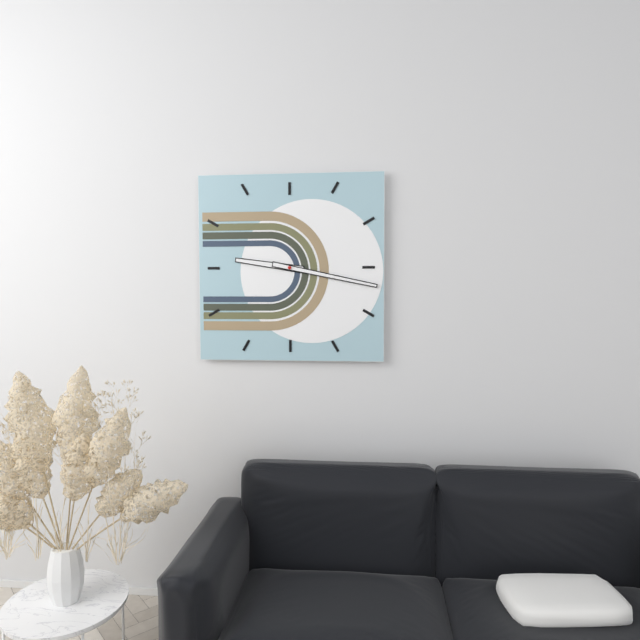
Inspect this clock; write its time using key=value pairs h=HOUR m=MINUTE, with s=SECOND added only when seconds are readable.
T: h=9 m=17
